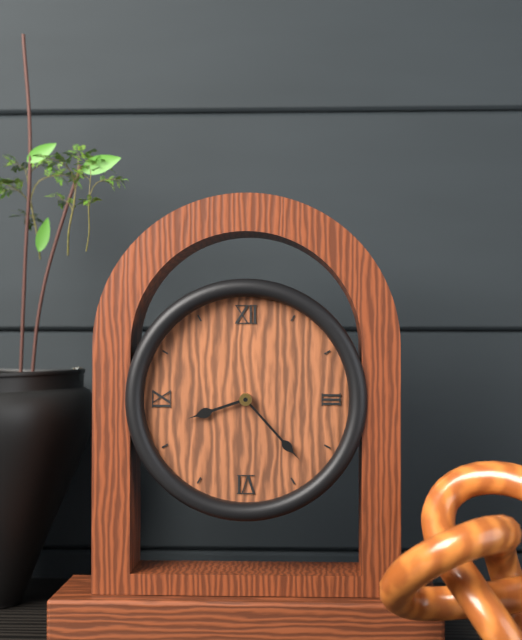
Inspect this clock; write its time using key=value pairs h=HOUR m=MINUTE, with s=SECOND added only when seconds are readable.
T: h=8 m=23
